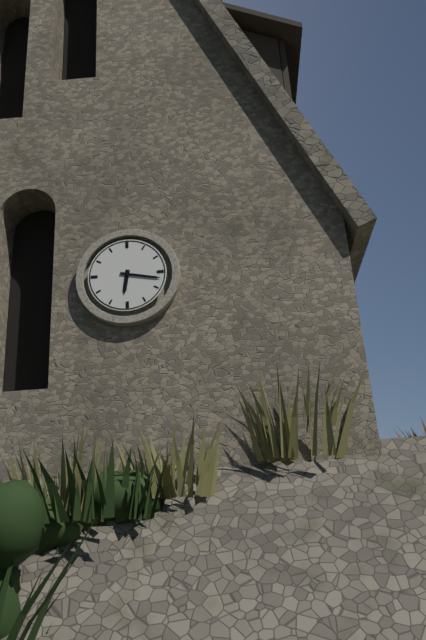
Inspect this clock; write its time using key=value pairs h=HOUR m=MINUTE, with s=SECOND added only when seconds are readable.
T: h=6 m=17
